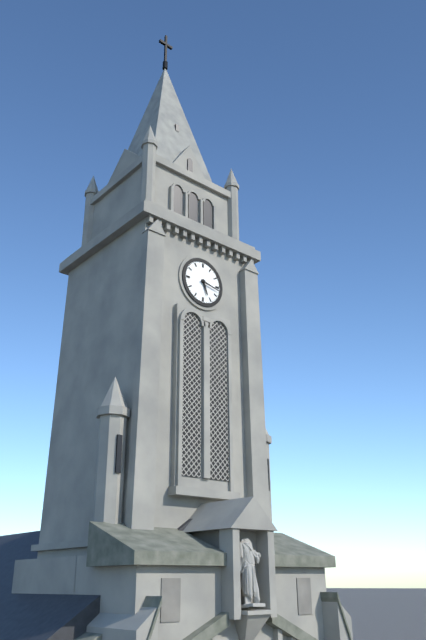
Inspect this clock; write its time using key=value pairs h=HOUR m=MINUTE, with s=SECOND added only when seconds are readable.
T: h=5 m=17
